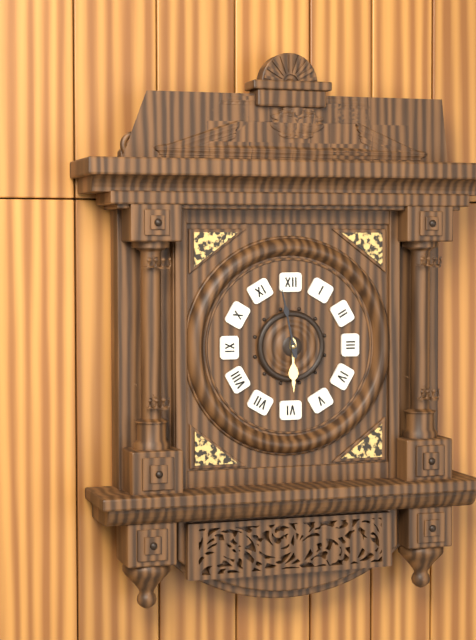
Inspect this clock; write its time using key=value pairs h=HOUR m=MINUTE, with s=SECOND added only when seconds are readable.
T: h=5 m=58
